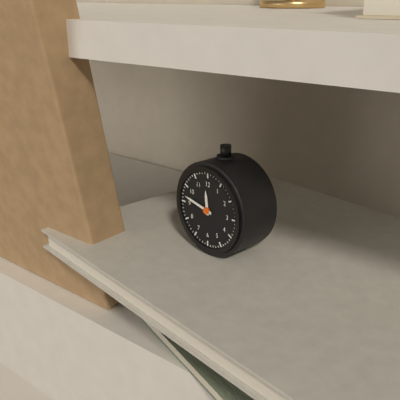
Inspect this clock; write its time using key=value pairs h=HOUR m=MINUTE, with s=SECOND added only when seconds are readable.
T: h=11 m=47
